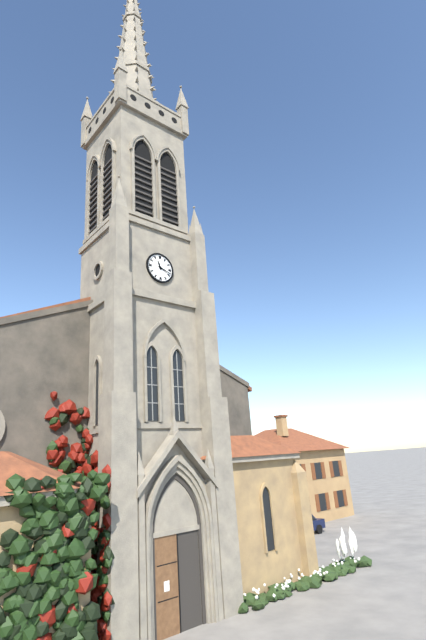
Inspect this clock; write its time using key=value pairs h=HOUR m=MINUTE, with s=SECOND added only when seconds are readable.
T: h=11 m=18
